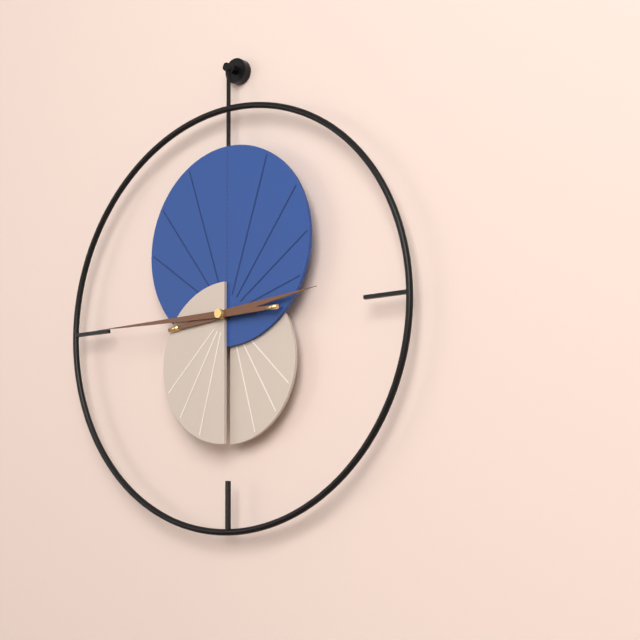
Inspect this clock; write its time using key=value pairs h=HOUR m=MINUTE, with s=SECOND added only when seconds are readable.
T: h=2 m=45
